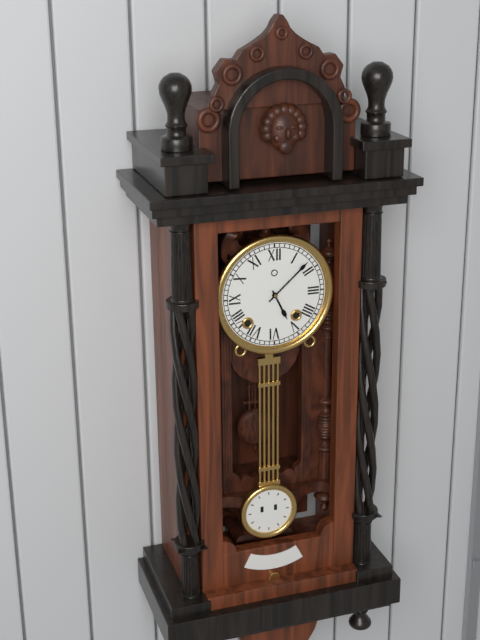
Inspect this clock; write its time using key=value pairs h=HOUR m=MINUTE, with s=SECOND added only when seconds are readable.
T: h=5 m=8
